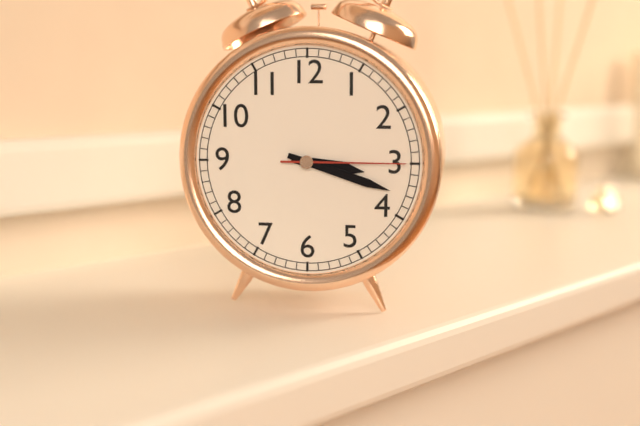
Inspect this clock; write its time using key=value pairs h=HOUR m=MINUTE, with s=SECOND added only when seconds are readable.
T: h=3 m=18 s=15
